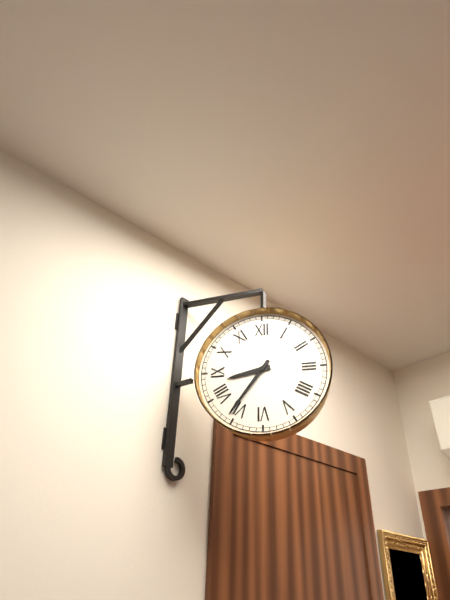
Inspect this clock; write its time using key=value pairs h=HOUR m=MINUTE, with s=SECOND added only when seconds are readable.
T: h=8 m=36
